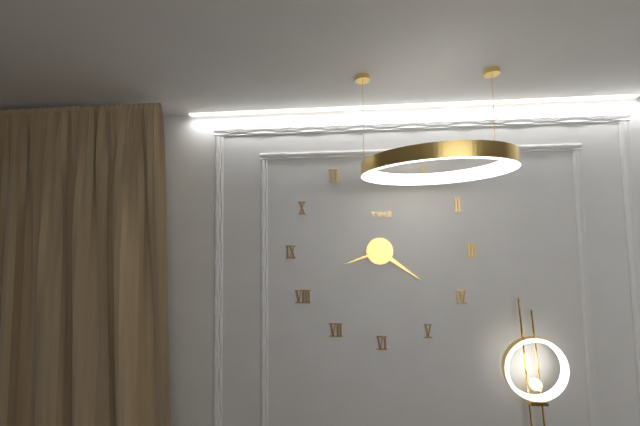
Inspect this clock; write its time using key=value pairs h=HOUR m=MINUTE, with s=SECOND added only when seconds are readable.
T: h=8 m=21
